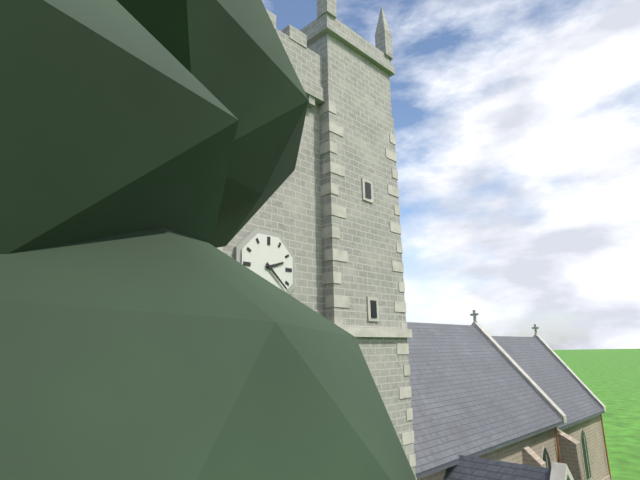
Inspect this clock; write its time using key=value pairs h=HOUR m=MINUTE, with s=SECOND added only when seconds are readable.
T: h=2 m=22
